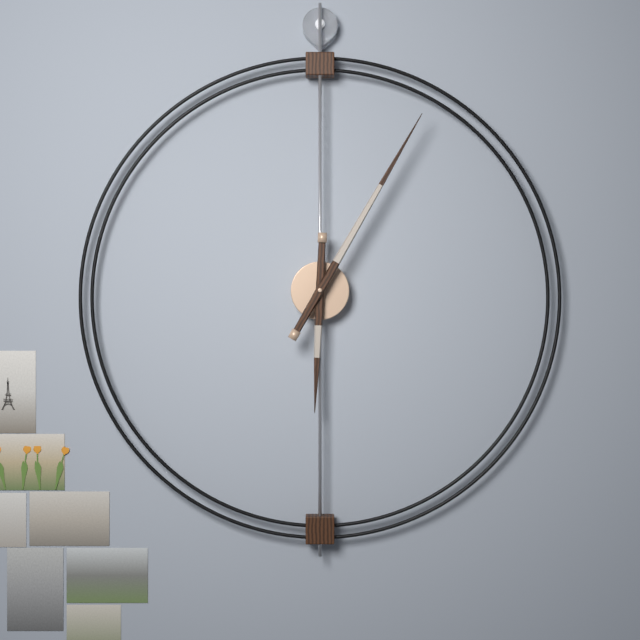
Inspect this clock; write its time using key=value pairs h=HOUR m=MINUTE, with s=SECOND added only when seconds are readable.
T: h=6 m=5
